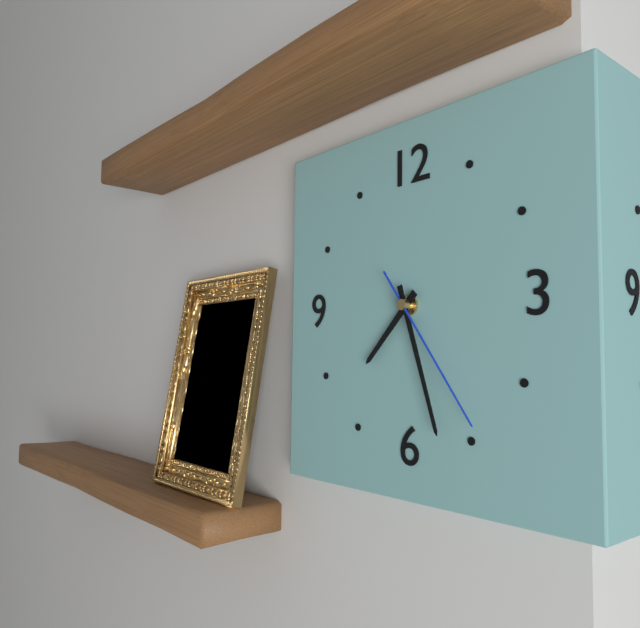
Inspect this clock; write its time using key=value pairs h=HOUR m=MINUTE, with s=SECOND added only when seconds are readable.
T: h=7 m=27 s=24
